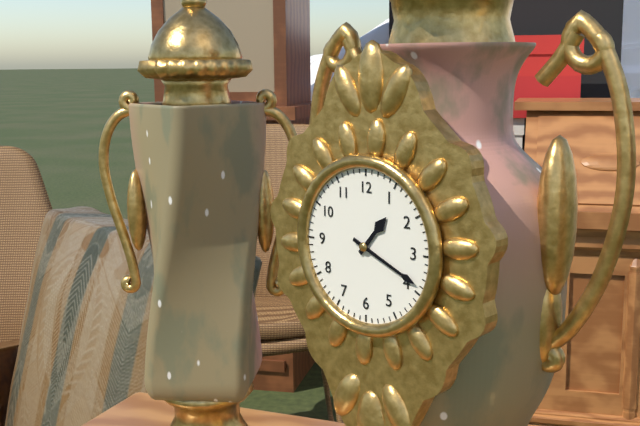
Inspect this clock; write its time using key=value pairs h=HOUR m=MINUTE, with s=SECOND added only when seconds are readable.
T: h=1 m=19
